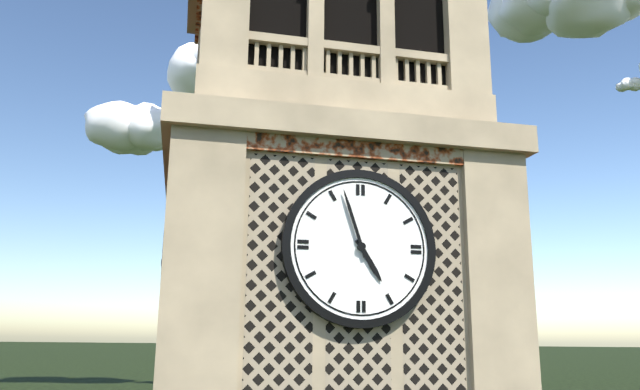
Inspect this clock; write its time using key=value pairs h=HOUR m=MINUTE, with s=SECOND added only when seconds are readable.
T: h=4 m=57
